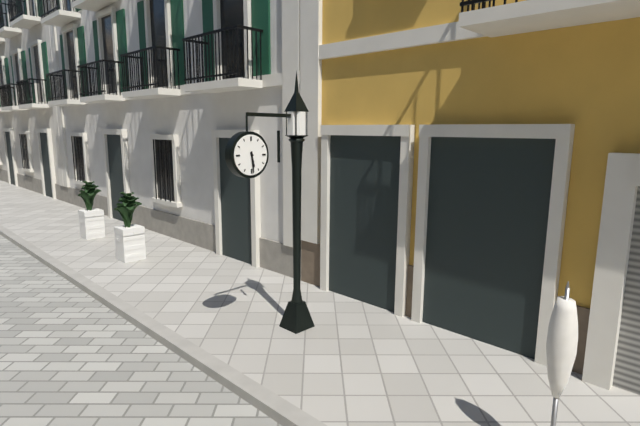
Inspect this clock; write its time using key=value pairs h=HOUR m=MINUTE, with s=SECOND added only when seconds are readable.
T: h=5 m=29
